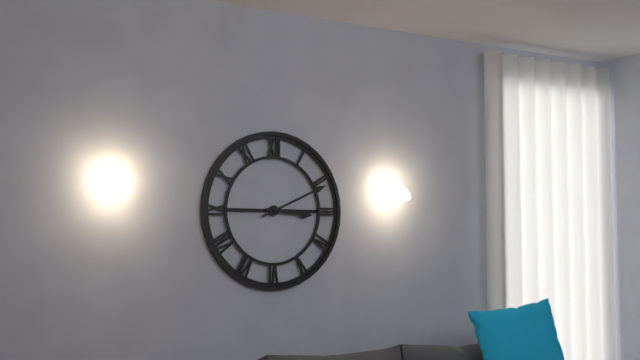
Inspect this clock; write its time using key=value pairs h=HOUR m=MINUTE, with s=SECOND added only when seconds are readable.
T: h=3 m=11
